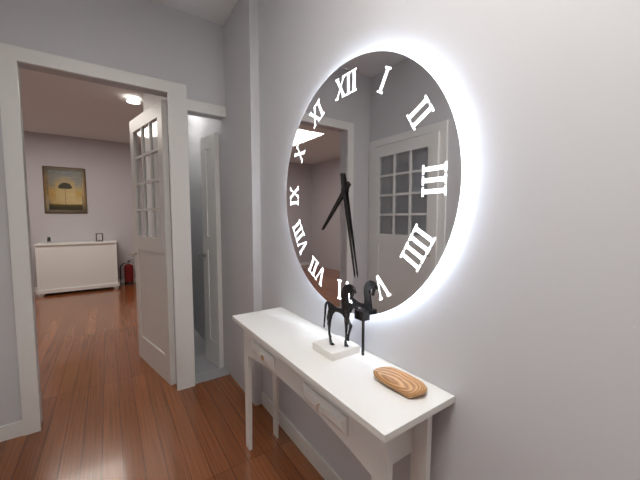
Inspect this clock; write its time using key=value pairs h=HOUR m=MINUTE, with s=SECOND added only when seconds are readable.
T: h=7 m=28
